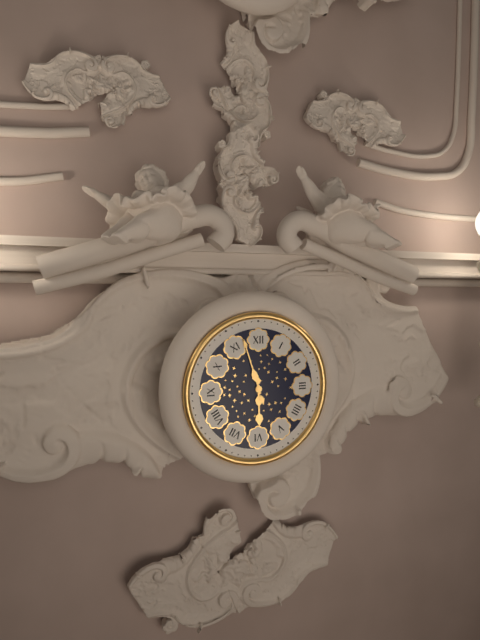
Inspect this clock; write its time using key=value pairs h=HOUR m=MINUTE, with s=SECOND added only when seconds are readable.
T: h=5 m=57
